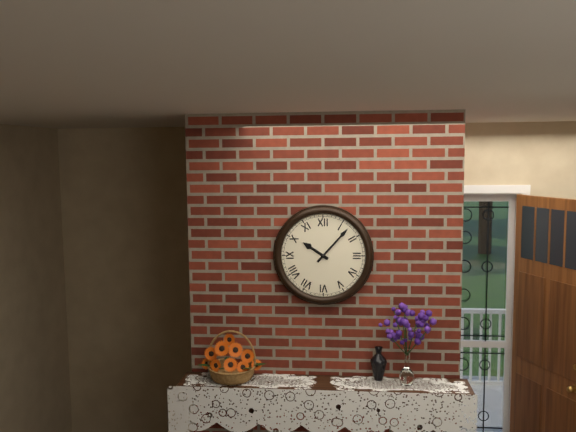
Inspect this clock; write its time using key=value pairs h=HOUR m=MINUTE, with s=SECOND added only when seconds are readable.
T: h=10 m=7
